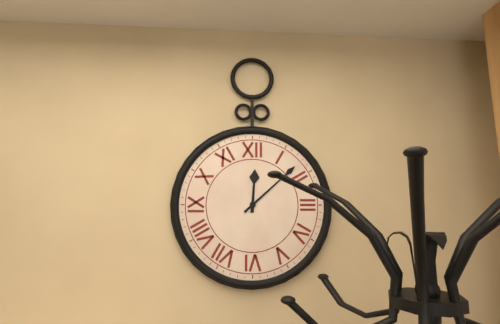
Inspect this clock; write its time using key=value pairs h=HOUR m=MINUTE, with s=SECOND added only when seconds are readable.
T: h=12 m=8
